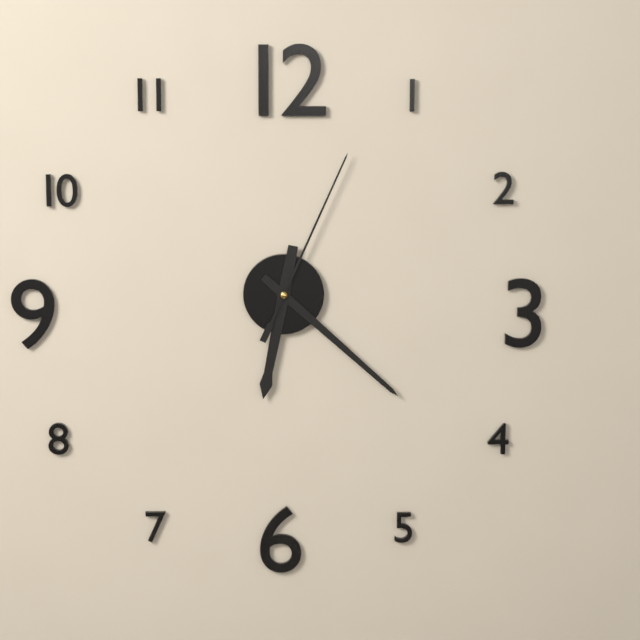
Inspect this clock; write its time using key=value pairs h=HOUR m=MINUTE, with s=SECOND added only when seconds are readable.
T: h=6 m=22 s=4
